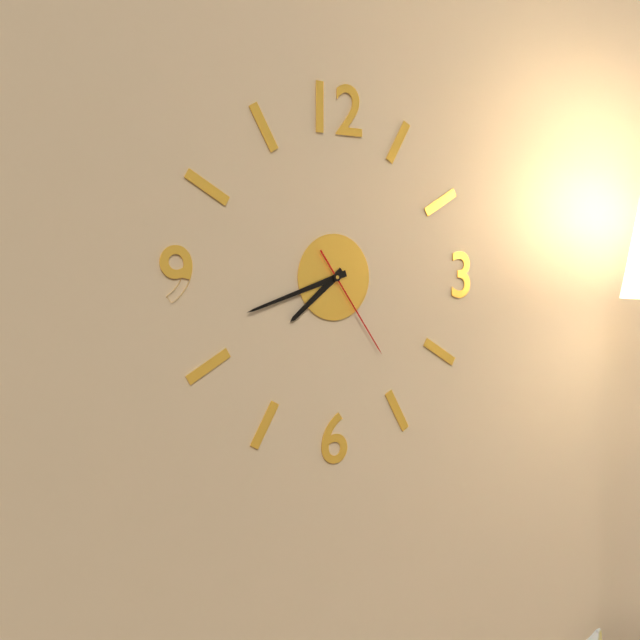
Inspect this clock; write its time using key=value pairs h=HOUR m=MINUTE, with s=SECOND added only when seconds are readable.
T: h=7 m=42 s=24
